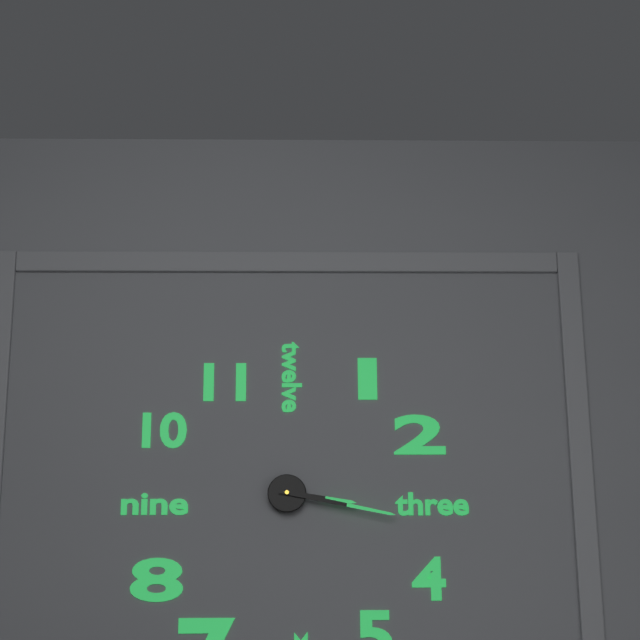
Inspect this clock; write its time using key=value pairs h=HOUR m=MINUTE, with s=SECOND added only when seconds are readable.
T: h=3 m=17
